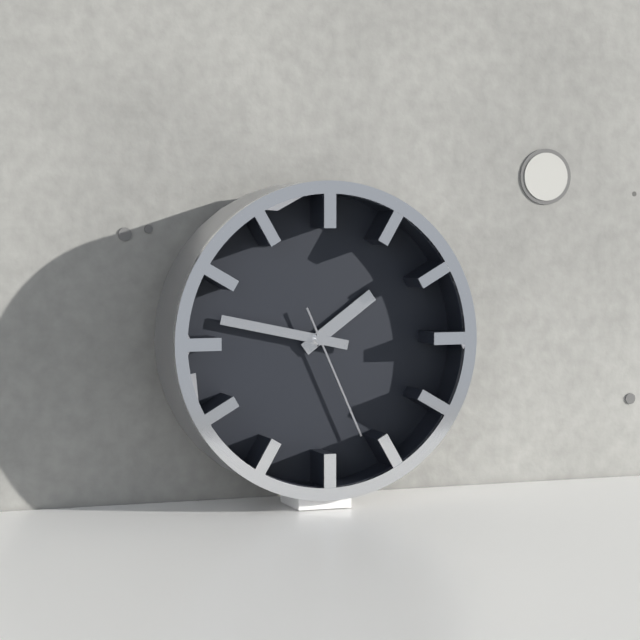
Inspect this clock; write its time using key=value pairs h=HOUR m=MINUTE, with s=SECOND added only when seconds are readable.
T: h=1 m=47 s=26
